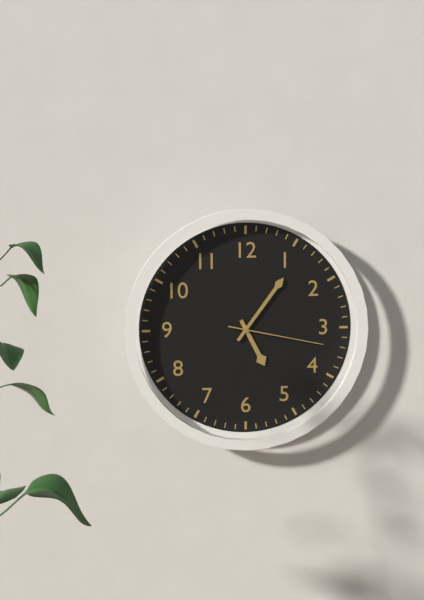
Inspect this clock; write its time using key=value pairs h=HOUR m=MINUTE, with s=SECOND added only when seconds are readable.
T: h=5 m=6 s=17
